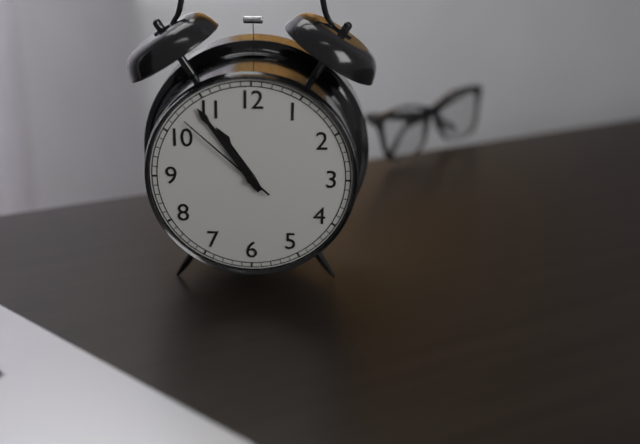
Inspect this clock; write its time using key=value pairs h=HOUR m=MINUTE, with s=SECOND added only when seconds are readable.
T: h=10 m=54 s=52
